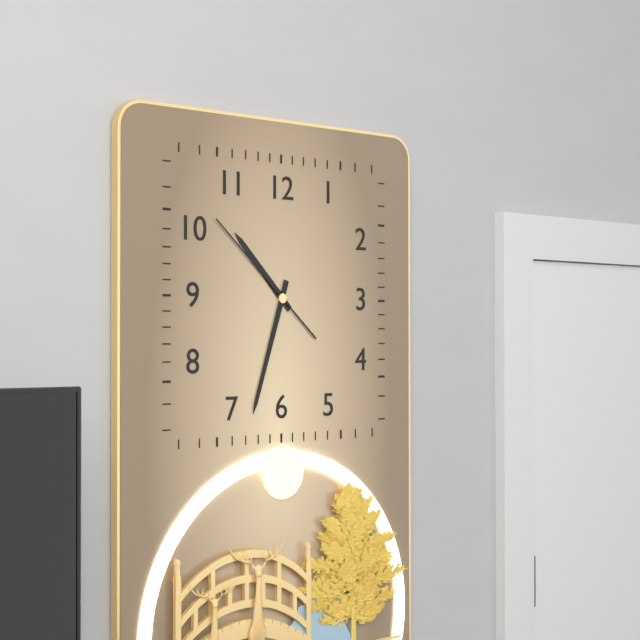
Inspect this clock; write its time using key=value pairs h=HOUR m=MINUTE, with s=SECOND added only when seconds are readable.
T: h=10 m=33 s=52
